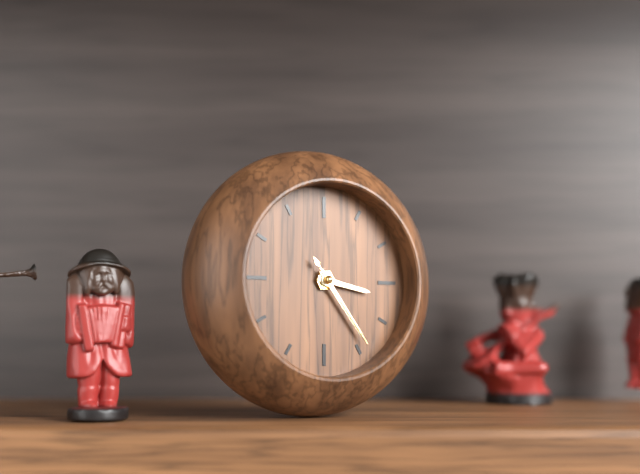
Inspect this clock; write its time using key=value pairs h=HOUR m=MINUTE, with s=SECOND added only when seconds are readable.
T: h=3 m=24 s=24
